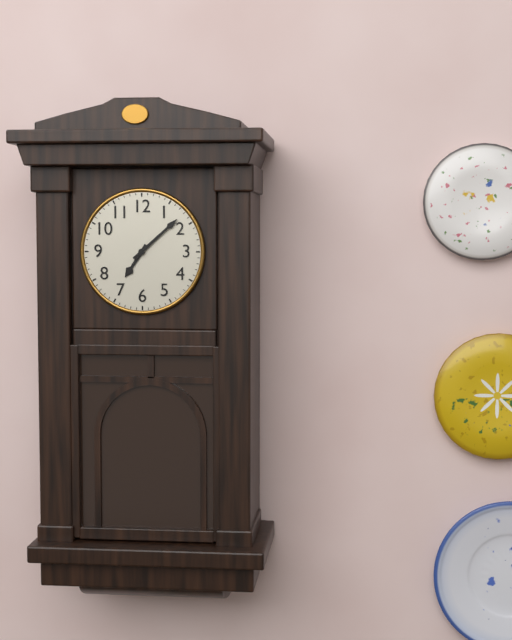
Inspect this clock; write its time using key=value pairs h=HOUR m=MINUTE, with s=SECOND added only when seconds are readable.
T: h=7 m=8
